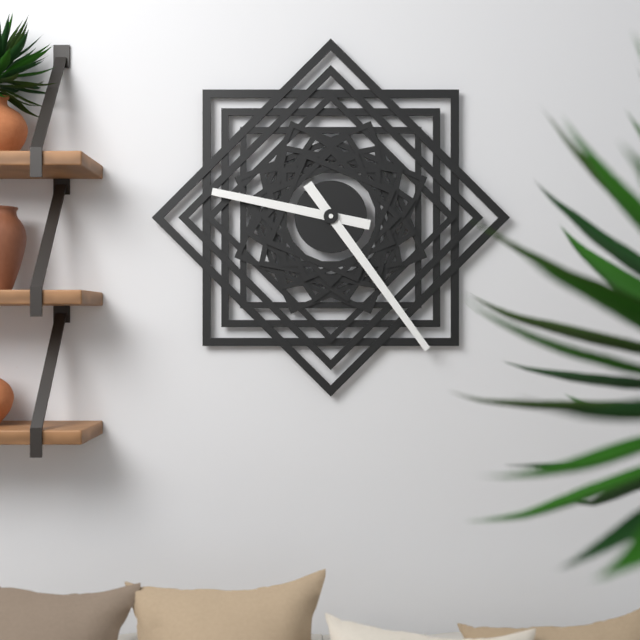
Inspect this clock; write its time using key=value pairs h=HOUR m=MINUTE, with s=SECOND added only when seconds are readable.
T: h=9 m=24
